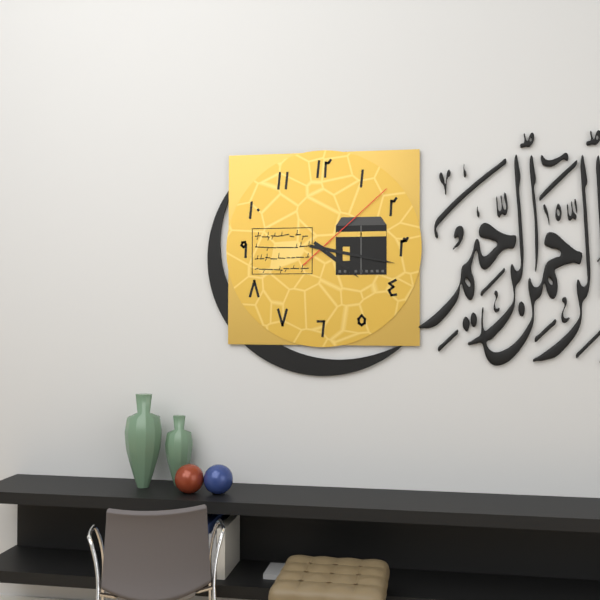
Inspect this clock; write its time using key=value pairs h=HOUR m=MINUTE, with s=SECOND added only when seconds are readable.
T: h=4 m=17 s=8
